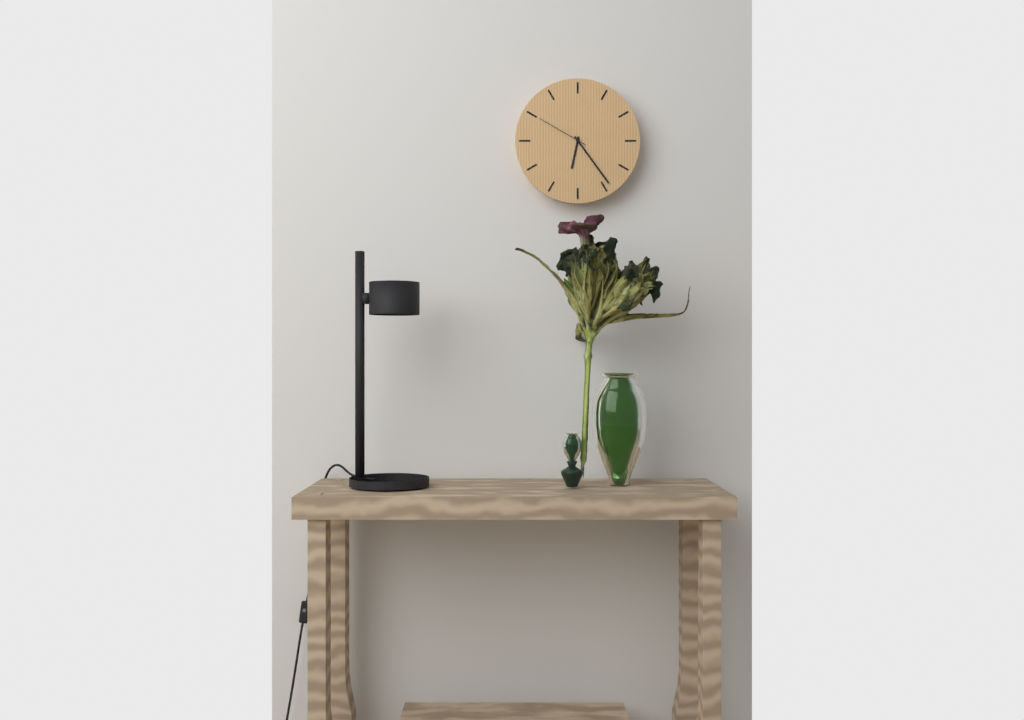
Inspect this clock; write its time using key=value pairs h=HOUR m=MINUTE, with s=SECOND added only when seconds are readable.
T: h=6 m=24 s=50
